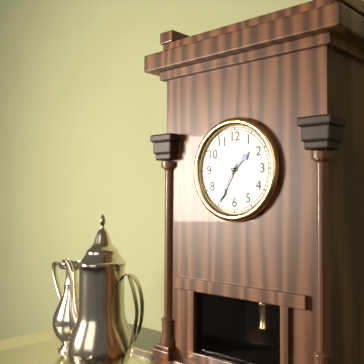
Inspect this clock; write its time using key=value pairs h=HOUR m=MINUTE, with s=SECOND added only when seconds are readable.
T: h=1 m=35
